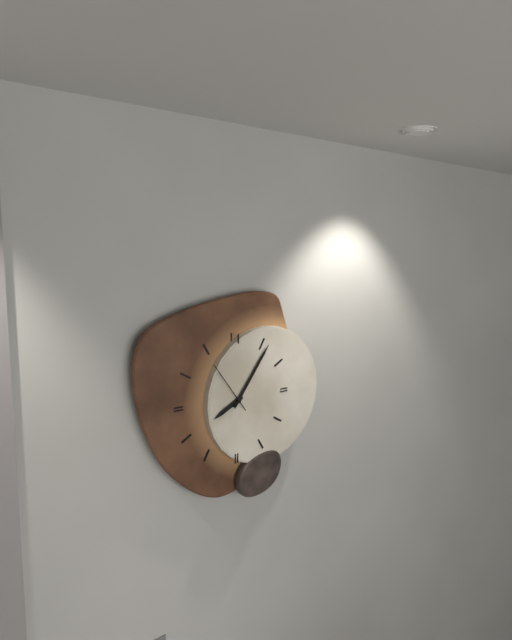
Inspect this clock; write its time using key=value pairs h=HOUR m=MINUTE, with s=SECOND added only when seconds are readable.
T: h=8 m=6 s=54
